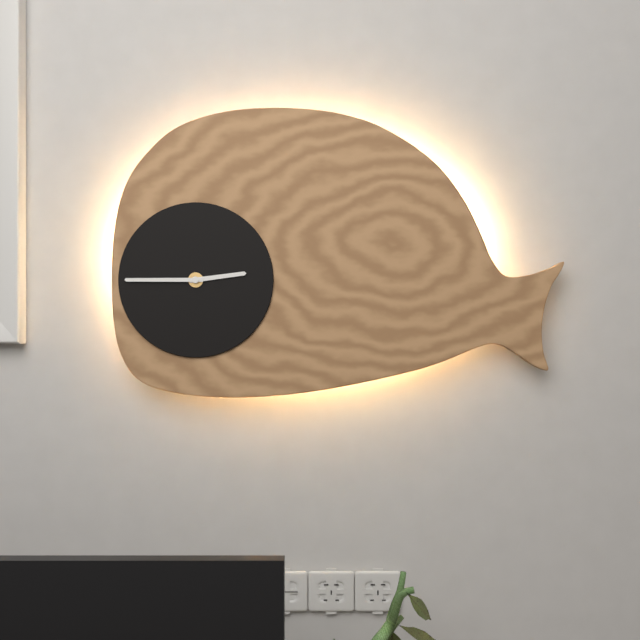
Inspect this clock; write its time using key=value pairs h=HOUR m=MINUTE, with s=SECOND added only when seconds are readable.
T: h=2 m=45
